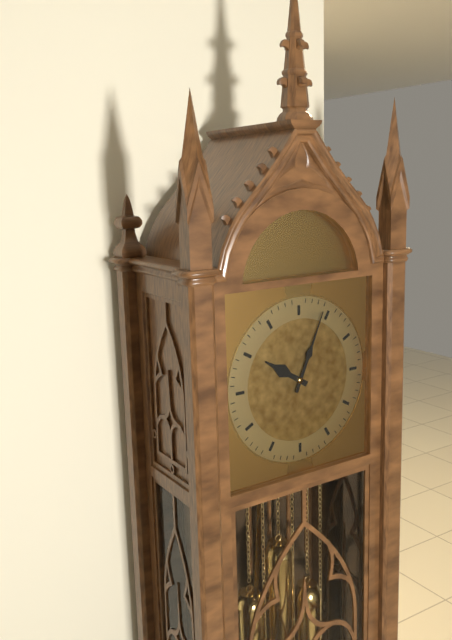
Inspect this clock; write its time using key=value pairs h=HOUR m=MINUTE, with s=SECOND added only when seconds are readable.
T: h=10 m=4
